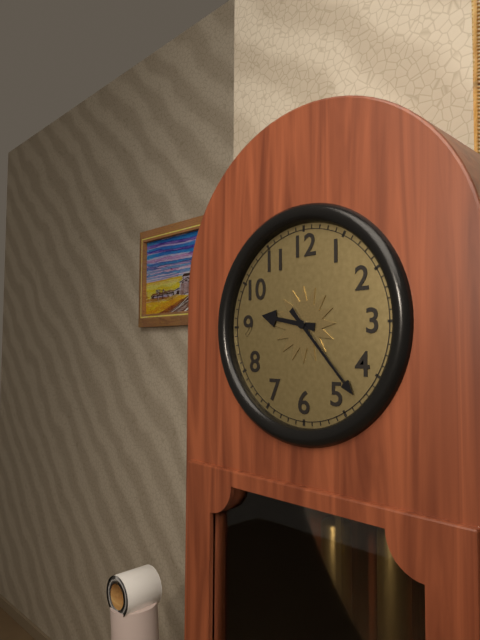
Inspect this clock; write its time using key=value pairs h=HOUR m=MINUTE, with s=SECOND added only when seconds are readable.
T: h=9 m=23
